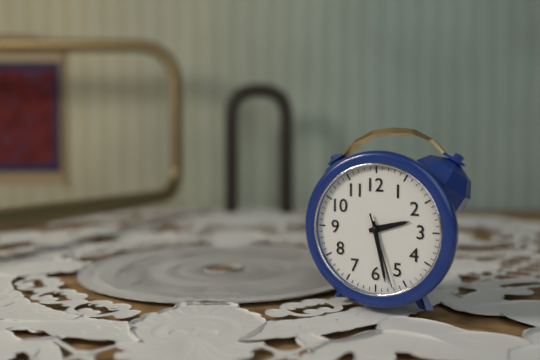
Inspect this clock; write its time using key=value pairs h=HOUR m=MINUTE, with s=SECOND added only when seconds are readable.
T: h=2 m=28 s=27
